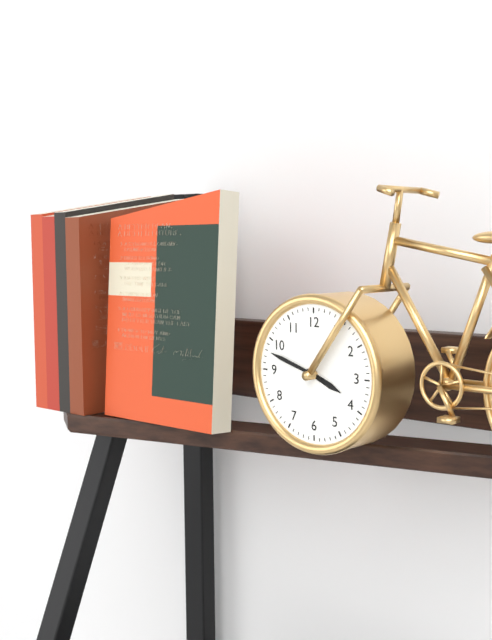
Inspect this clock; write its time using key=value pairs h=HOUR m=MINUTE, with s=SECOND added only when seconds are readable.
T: h=3 m=48
